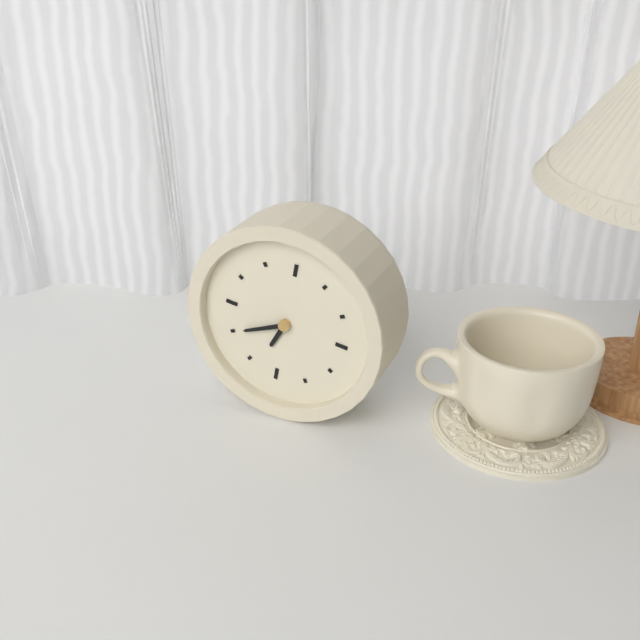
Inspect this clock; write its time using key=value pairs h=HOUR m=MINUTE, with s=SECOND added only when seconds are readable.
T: h=6 m=40
